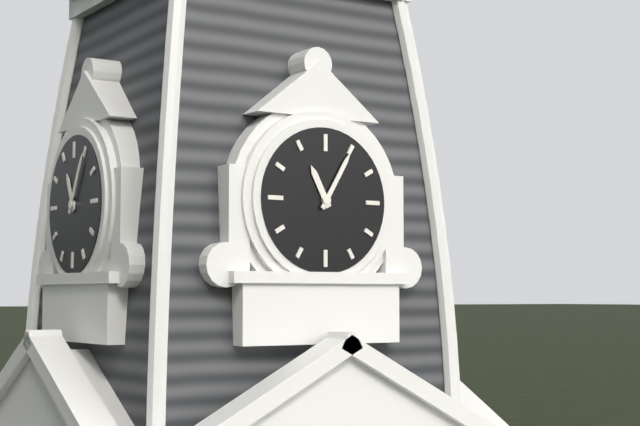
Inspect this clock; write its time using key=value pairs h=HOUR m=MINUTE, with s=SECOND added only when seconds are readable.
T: h=11 m=5
